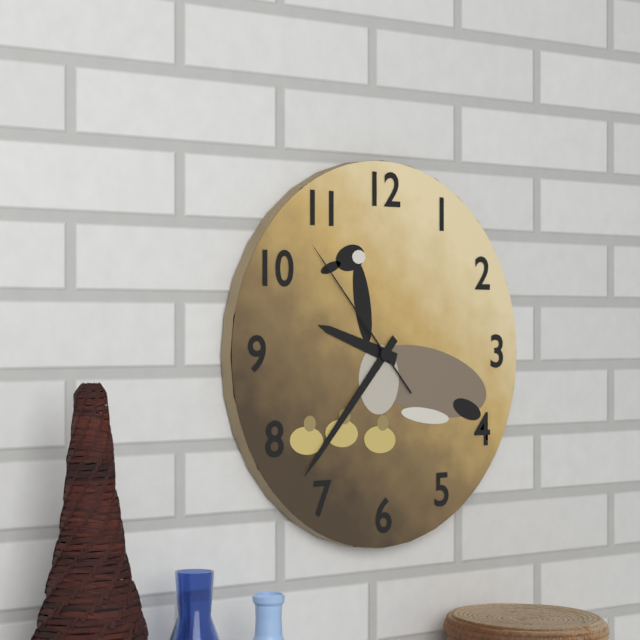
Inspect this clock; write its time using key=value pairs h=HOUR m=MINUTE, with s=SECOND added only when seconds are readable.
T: h=9 m=37 s=53
